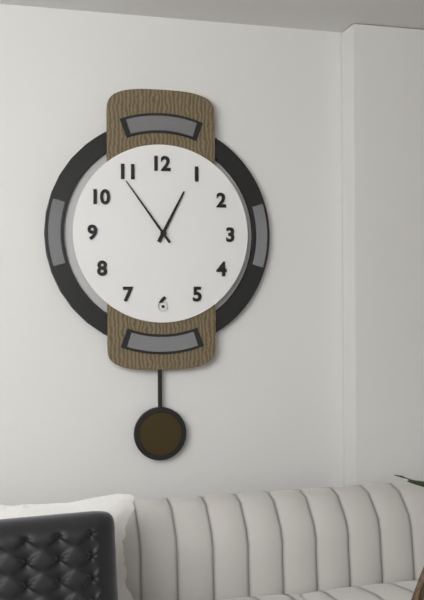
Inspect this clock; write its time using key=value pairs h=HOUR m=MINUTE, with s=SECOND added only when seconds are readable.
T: h=12 m=54
